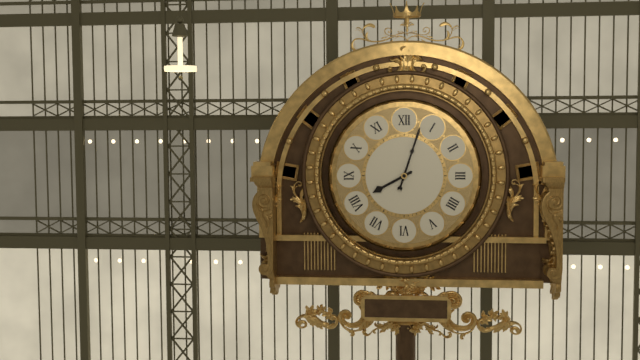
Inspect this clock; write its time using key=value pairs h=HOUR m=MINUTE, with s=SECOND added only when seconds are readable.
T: h=8 m=3
